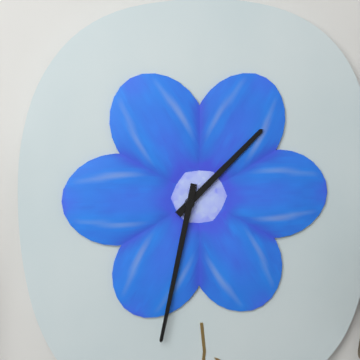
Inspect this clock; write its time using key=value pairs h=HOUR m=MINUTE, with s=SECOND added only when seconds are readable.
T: h=1 m=32
